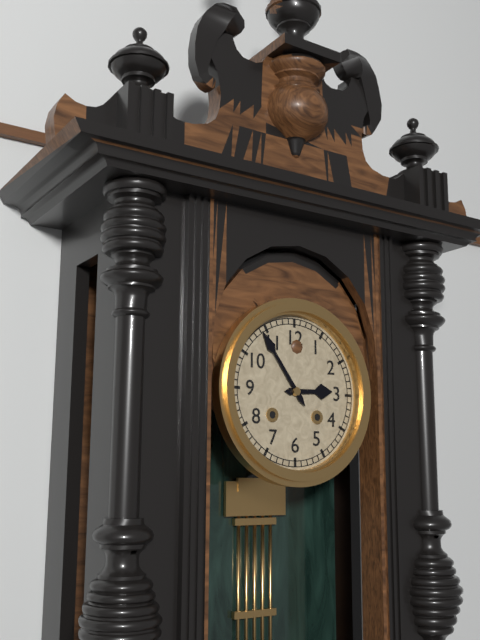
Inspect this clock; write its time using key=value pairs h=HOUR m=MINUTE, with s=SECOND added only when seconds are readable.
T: h=2 m=54
